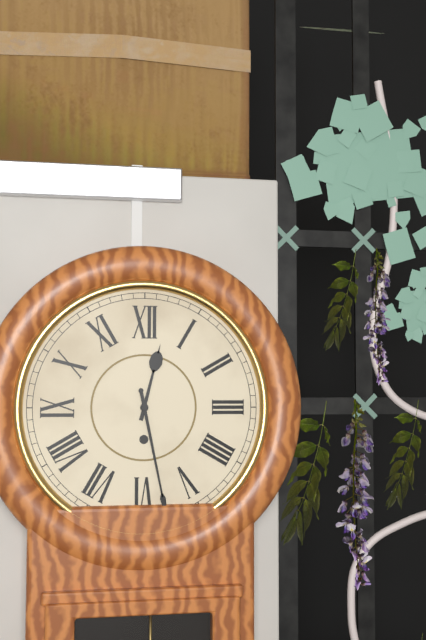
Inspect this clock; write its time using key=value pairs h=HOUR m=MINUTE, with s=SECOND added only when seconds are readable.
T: h=12 m=28
